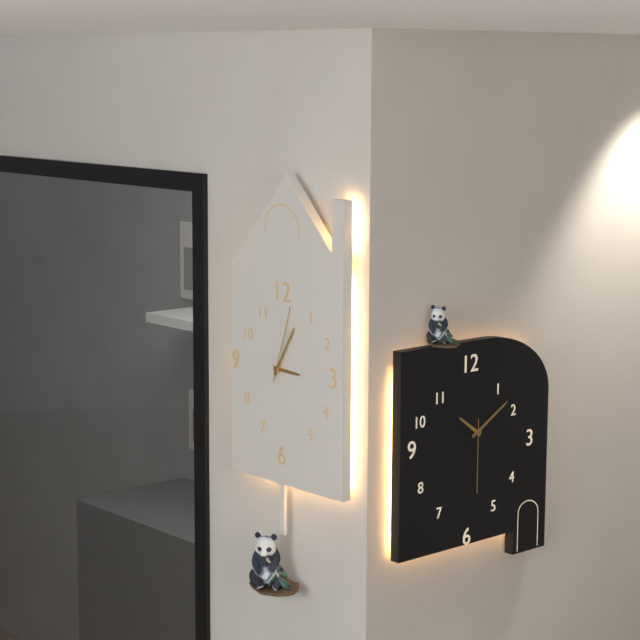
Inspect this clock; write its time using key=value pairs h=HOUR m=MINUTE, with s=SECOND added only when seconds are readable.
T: h=3 m=5 s=3
